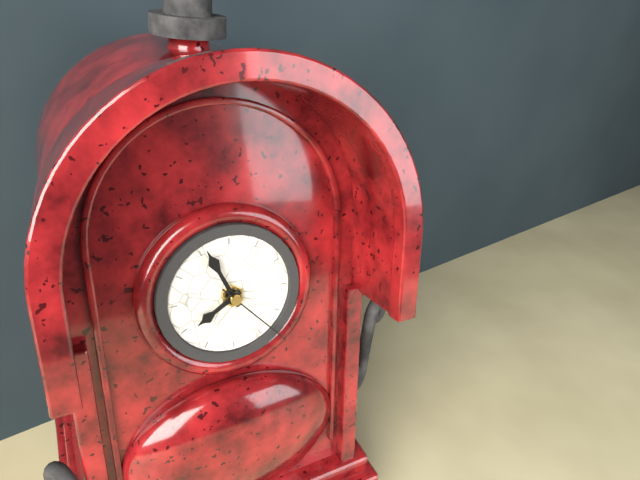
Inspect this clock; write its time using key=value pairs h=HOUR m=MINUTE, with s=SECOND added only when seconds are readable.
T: h=7 m=56 s=23
